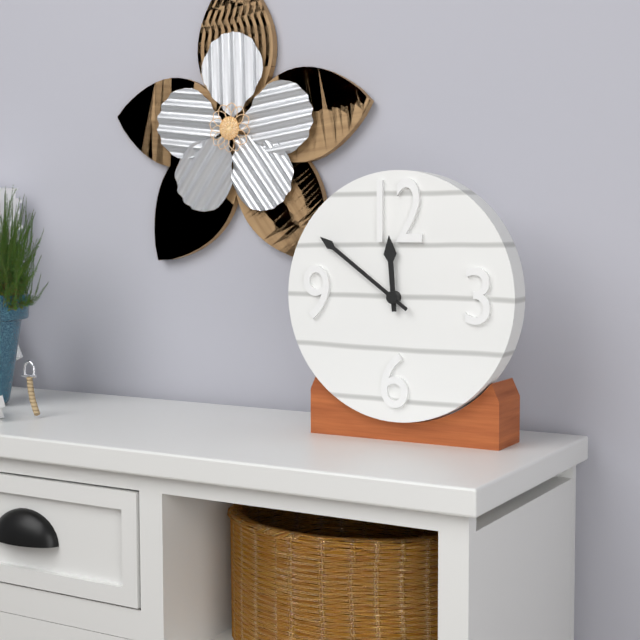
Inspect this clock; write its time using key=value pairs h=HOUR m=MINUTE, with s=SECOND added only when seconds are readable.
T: h=11 m=51
